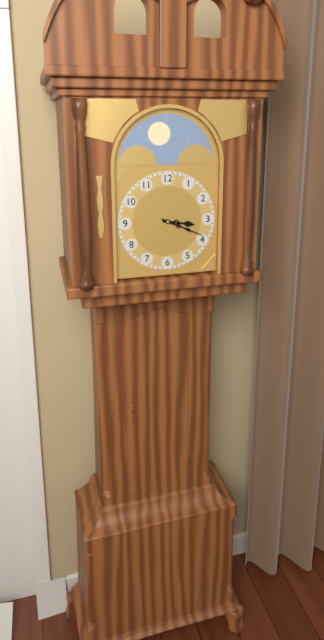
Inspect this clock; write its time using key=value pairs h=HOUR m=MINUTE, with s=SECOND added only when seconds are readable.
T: h=3 m=19
